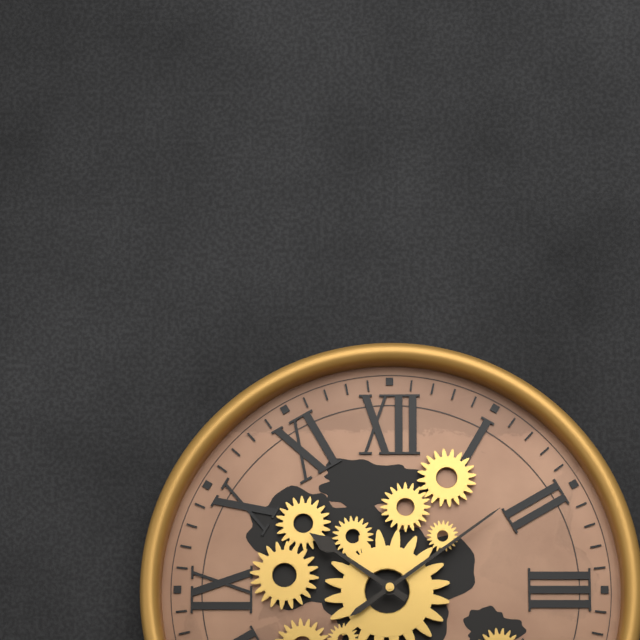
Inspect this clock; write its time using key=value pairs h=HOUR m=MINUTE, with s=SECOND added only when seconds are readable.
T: h=10 m=9
